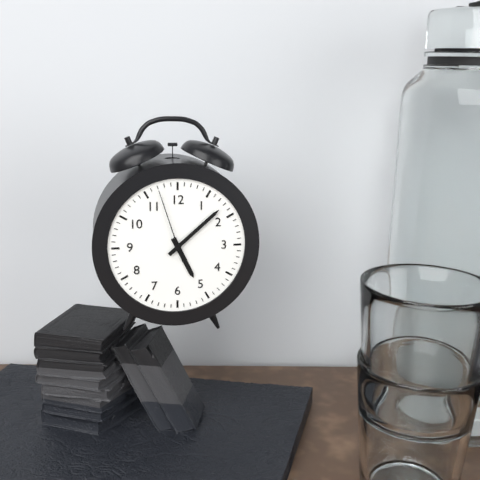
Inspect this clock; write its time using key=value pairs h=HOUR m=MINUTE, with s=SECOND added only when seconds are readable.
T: h=5 m=8 s=57
